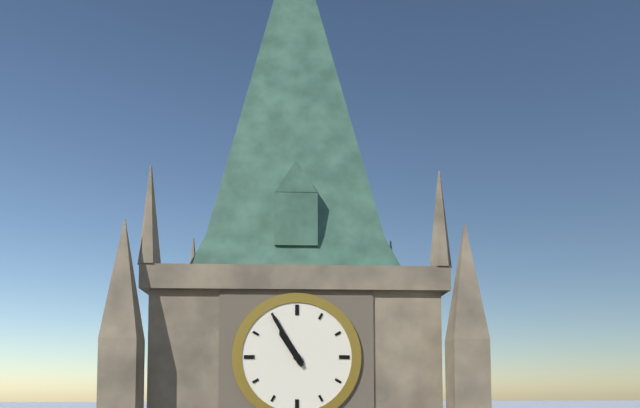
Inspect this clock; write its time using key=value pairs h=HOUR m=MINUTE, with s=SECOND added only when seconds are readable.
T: h=10 m=55
